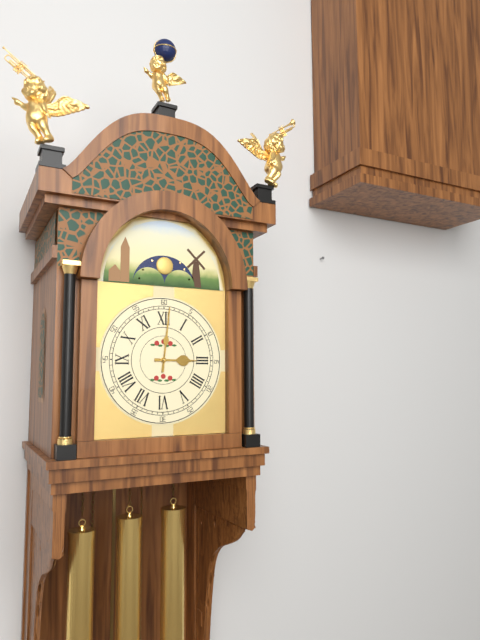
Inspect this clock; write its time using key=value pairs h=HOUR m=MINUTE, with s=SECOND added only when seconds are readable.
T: h=3 m=1
